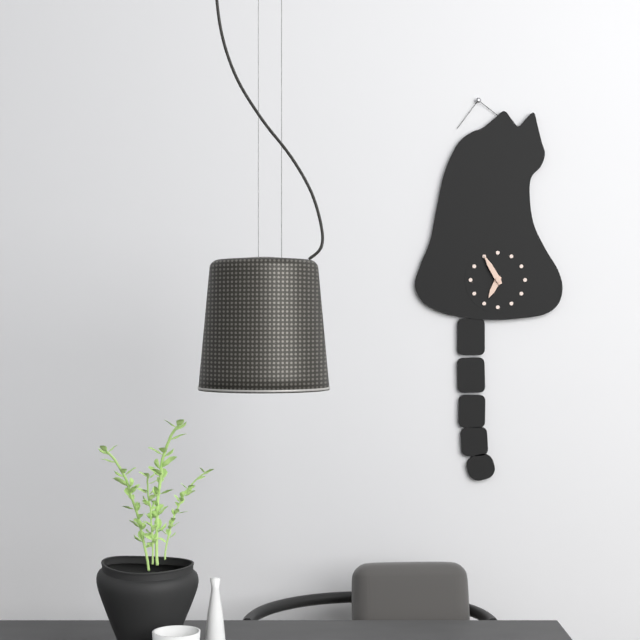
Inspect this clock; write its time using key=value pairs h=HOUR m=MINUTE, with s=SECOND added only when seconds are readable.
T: h=6 m=55
